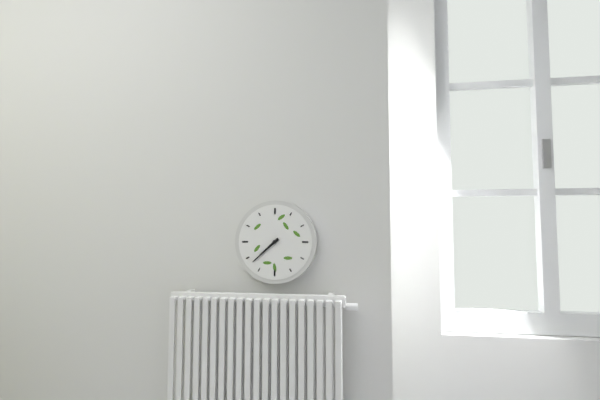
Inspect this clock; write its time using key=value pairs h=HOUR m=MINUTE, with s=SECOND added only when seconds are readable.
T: h=7 m=38
